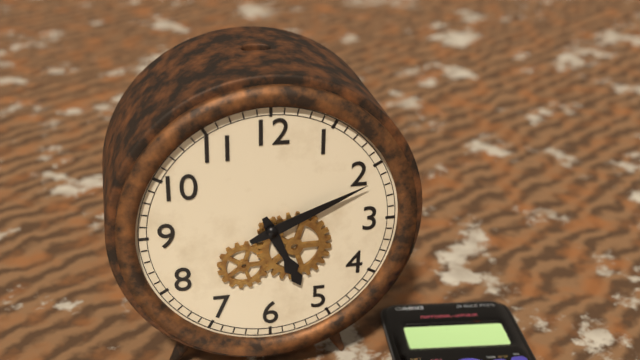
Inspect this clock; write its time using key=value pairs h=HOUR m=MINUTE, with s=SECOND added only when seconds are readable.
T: h=5 m=11
